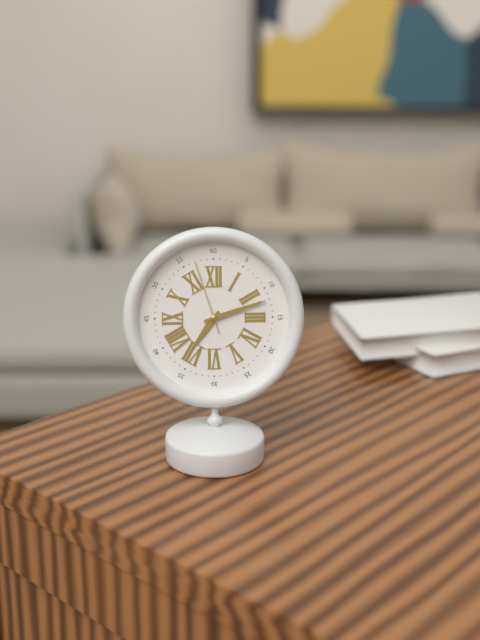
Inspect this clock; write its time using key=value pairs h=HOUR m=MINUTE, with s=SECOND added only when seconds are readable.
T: h=7 m=12 s=57
